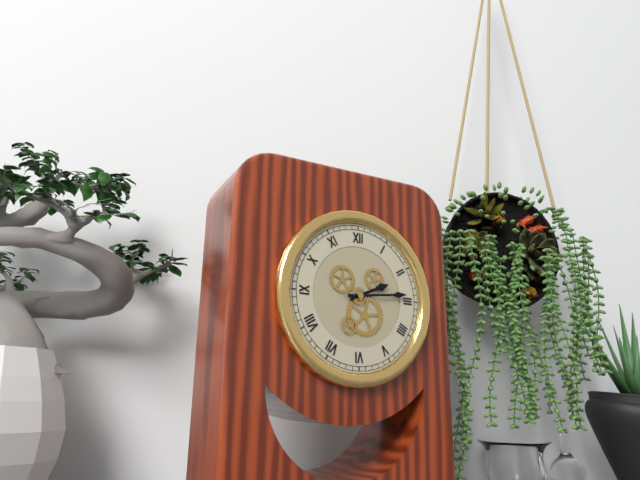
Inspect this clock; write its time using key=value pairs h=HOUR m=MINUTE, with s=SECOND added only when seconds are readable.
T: h=2 m=14
